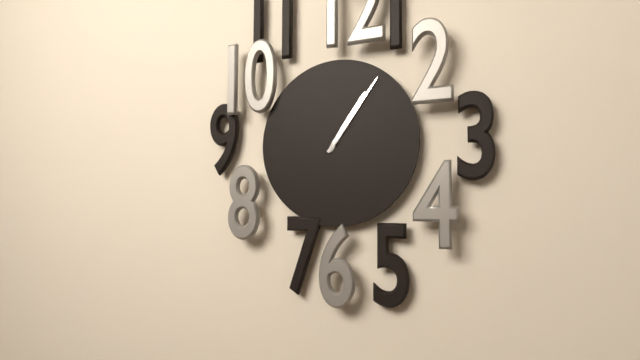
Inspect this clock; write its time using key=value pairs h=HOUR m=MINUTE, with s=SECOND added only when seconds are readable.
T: h=1 m=6
